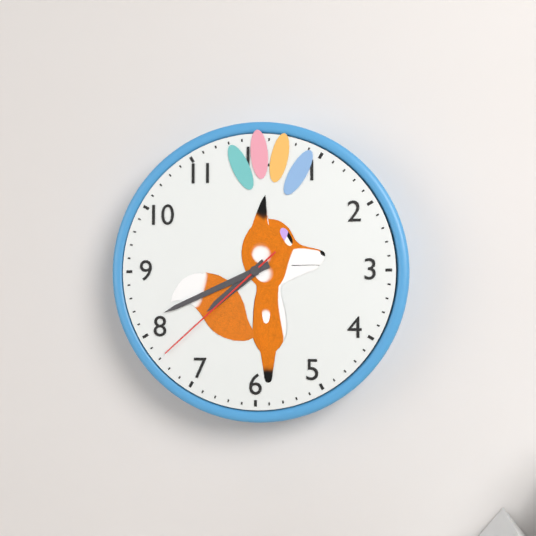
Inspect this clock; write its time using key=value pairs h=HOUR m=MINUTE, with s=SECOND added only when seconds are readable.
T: h=7 m=41 s=38
